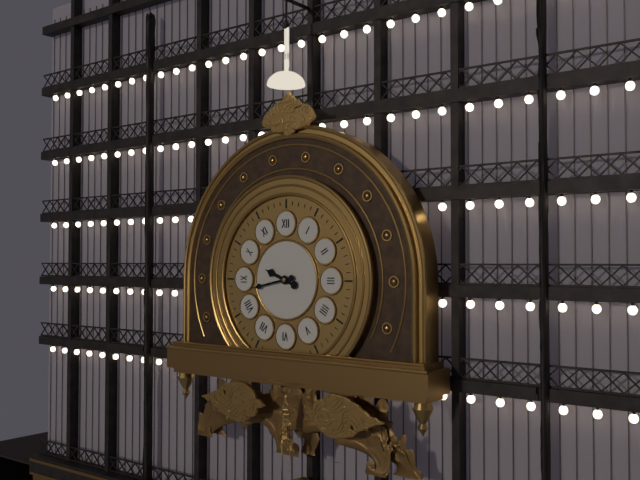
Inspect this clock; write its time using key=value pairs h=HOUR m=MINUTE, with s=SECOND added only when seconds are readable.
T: h=9 m=43
